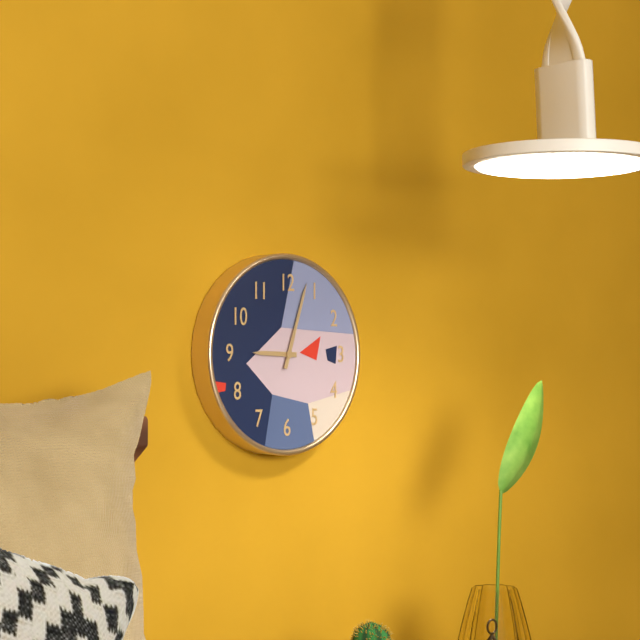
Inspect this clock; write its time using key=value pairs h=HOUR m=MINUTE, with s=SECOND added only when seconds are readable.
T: h=9 m=3
